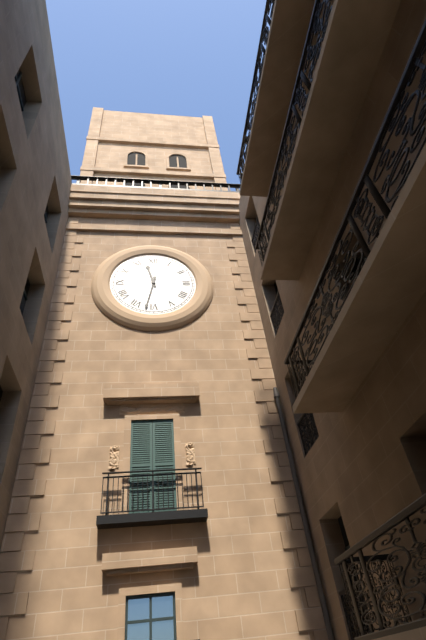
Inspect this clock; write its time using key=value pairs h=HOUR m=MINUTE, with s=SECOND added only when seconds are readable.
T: h=11 m=32
